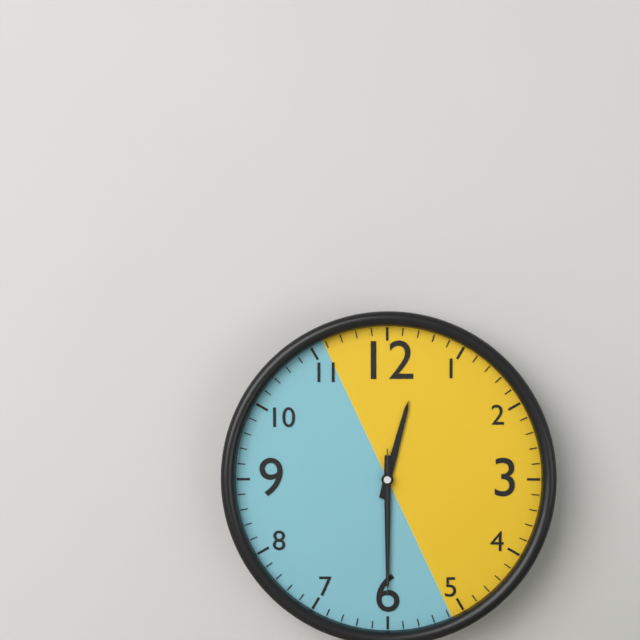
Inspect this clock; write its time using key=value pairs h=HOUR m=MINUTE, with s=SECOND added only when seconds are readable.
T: h=12 m=30 s=30
